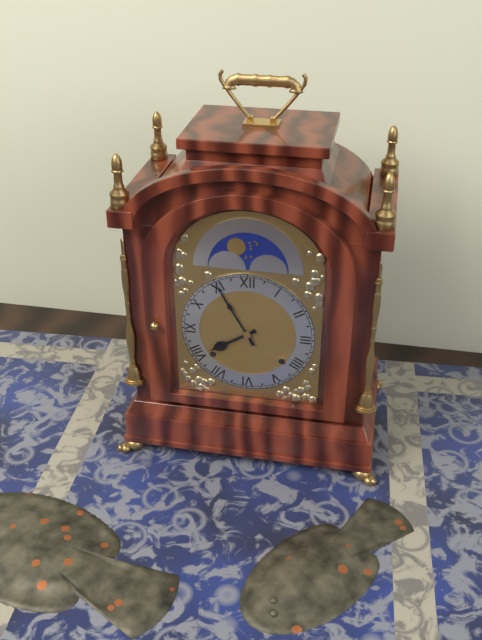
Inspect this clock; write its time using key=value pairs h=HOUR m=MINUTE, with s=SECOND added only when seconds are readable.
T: h=7 m=55
